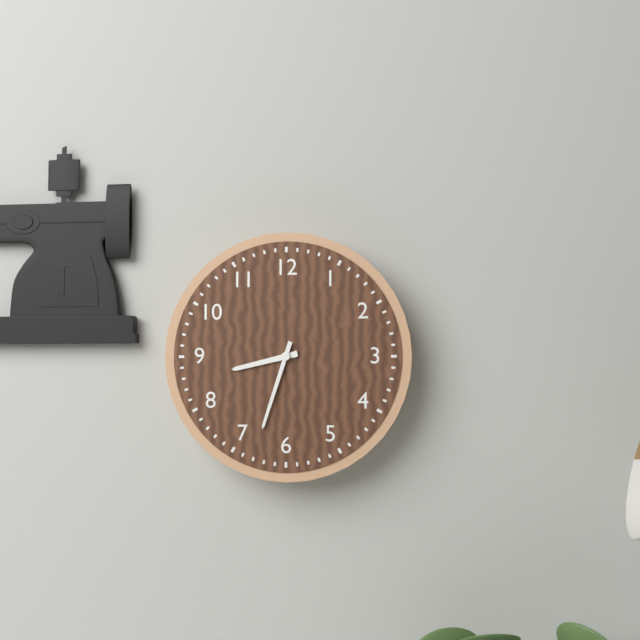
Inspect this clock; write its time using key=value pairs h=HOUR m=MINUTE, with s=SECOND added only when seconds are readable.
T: h=8 m=33
